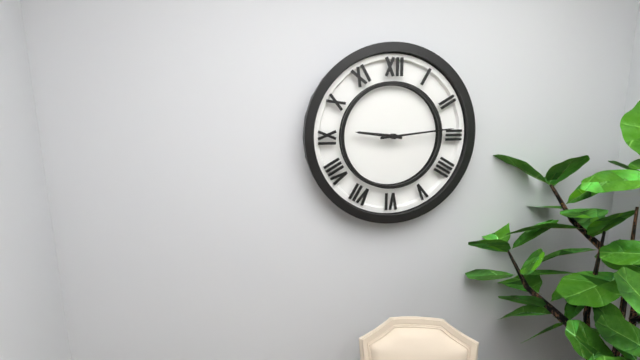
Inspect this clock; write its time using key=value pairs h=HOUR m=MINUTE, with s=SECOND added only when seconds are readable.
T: h=9 m=14
